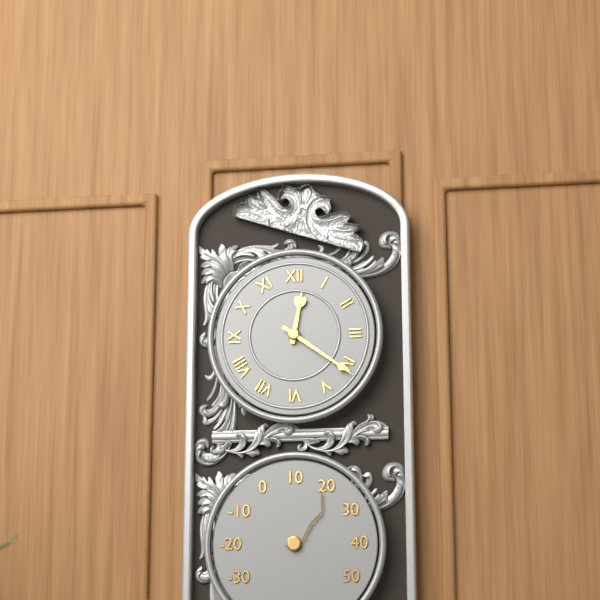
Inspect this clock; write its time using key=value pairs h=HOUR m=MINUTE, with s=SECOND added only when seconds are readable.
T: h=12 m=21
